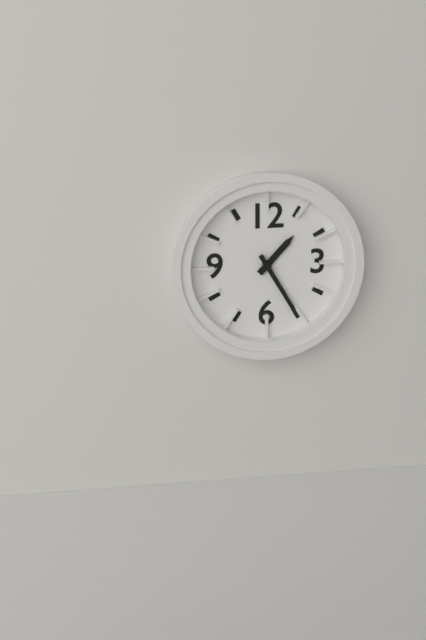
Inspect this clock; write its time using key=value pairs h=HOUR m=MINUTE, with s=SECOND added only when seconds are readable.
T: h=1 m=25
